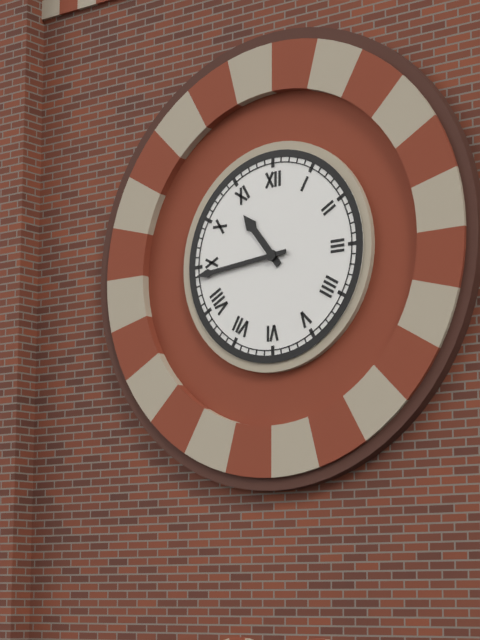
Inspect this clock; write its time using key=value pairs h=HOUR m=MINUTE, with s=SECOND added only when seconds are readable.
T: h=10 m=44
